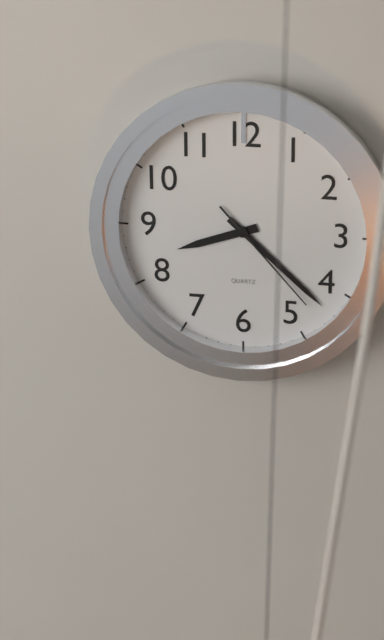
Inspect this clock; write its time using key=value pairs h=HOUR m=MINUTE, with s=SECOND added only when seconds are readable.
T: h=8 m=22 s=23
